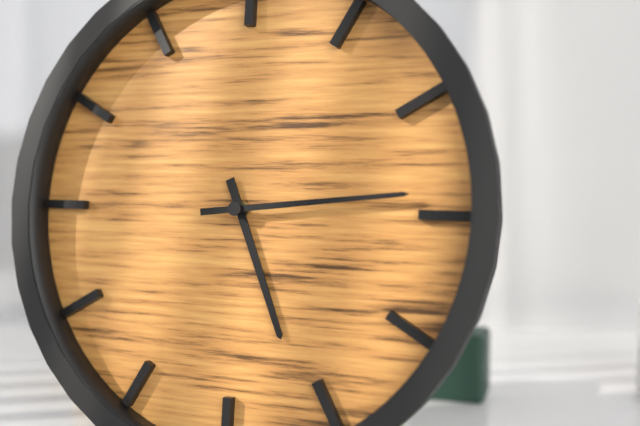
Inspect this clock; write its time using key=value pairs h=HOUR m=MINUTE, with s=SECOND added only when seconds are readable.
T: h=5 m=14
